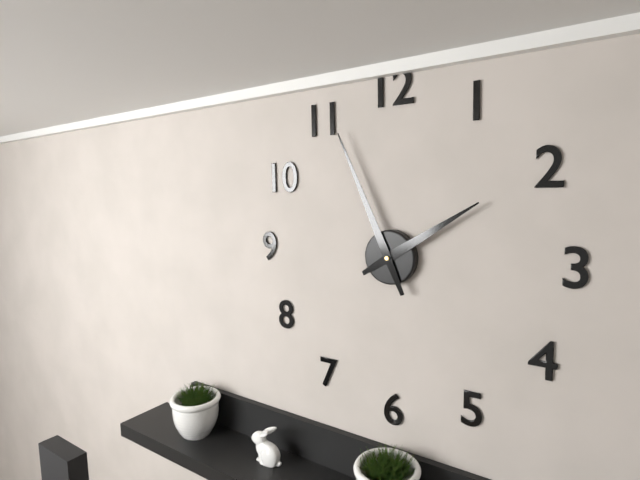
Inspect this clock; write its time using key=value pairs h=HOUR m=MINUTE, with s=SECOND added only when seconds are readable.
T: h=1 m=56
